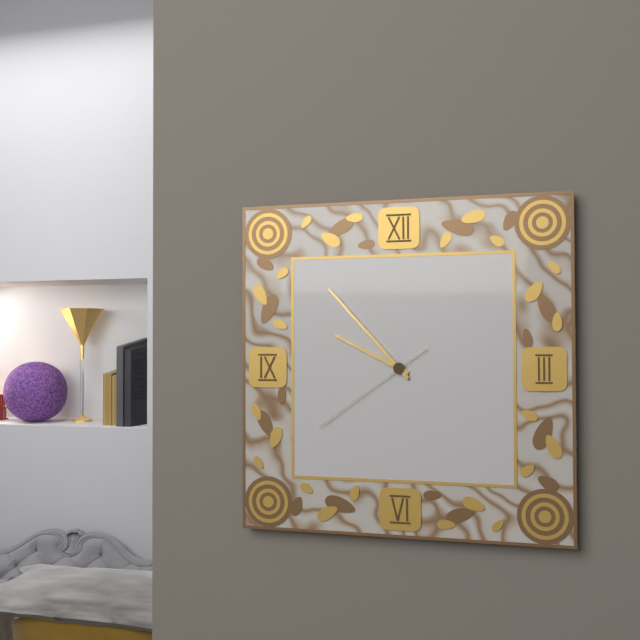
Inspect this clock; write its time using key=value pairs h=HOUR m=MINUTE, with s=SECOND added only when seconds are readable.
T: h=9 m=53 s=39
